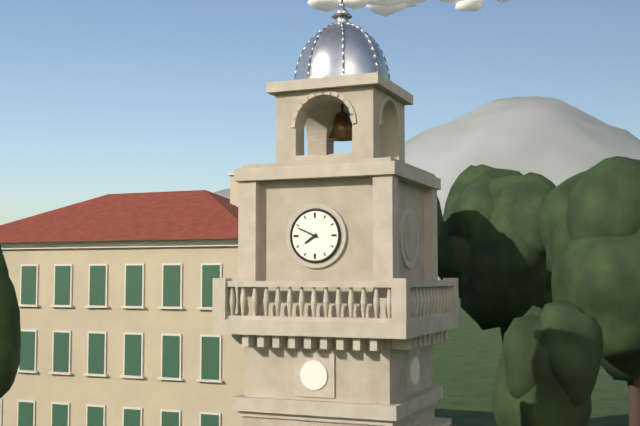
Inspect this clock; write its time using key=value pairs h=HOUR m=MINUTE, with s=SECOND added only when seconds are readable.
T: h=7 m=49
